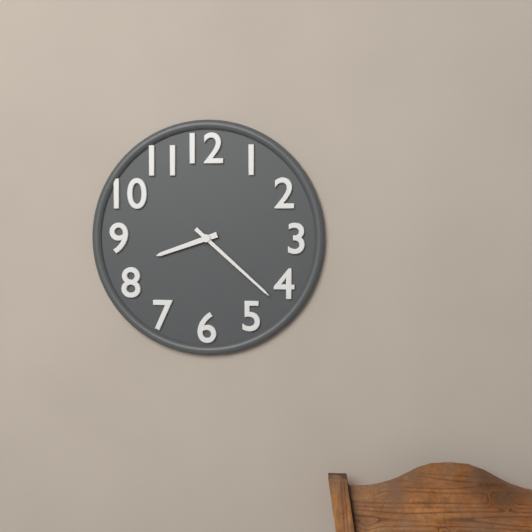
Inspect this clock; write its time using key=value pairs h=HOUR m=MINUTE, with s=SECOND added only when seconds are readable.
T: h=8 m=22
